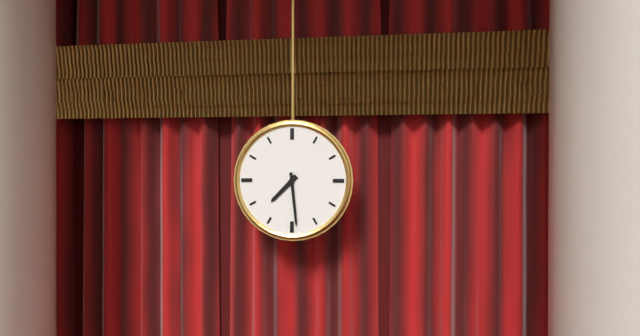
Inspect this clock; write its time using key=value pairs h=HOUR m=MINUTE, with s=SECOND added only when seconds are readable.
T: h=7 m=29
